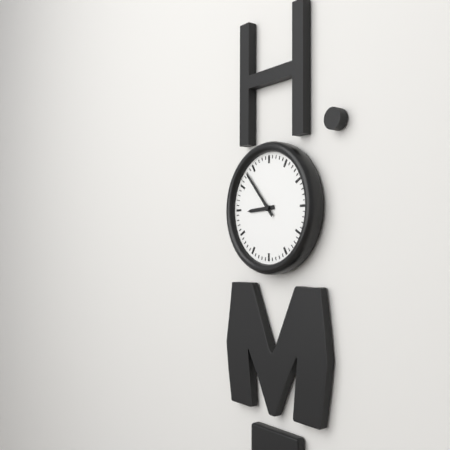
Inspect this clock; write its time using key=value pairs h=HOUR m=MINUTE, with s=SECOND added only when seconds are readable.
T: h=8 m=53
